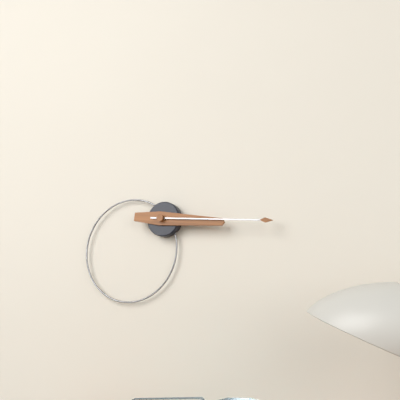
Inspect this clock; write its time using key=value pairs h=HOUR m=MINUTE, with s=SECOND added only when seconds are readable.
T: h=3 m=16
